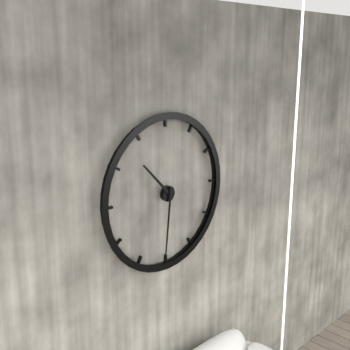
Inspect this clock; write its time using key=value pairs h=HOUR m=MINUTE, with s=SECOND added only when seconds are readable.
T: h=10 m=31
